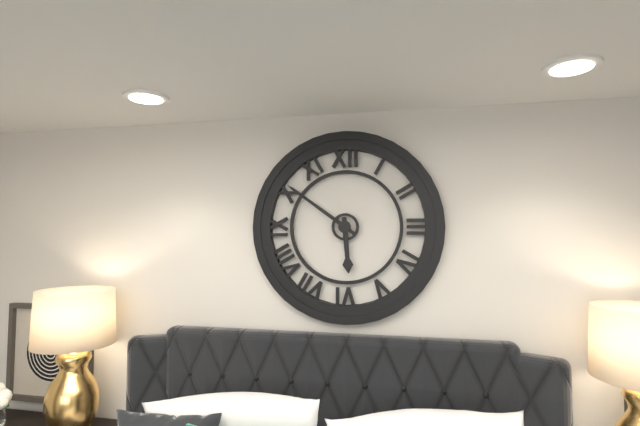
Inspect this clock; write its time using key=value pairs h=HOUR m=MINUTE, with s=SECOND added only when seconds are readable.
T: h=5 m=51
